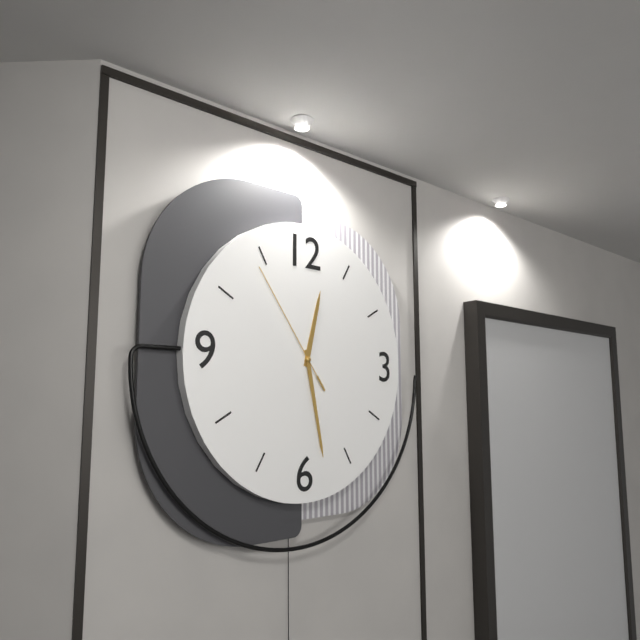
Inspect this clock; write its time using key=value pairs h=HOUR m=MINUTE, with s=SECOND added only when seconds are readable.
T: h=12 m=28 s=54
